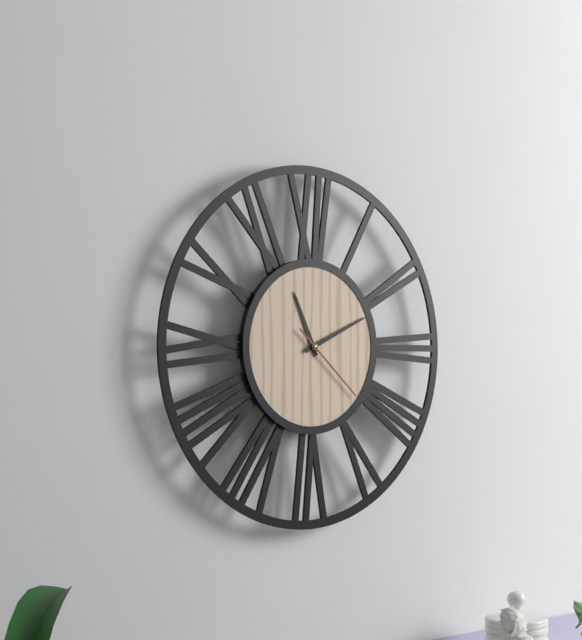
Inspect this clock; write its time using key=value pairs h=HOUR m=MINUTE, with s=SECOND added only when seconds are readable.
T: h=11 m=11 s=22
